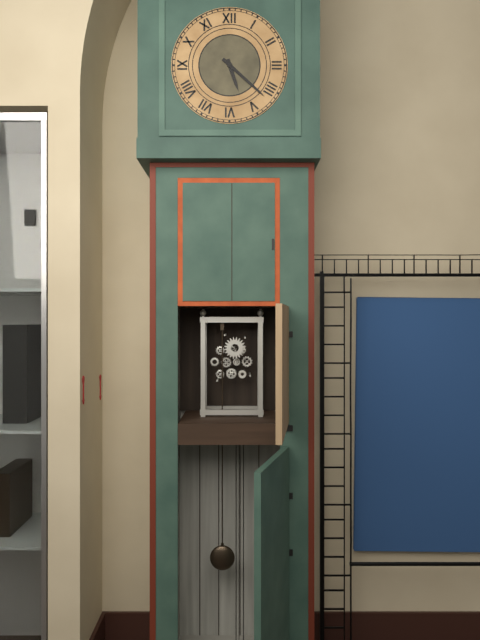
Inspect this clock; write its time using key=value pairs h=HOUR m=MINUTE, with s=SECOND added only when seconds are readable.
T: h=5 m=22
